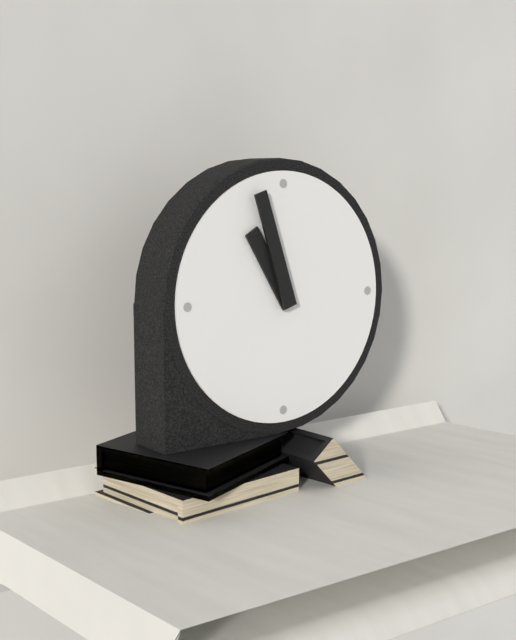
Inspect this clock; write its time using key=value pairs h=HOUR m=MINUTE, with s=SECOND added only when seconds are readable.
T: h=10 m=57
